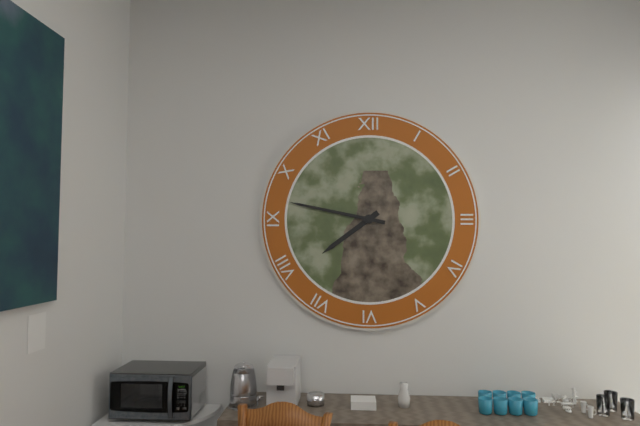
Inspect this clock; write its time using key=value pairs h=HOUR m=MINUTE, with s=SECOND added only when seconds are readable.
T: h=7 m=47
